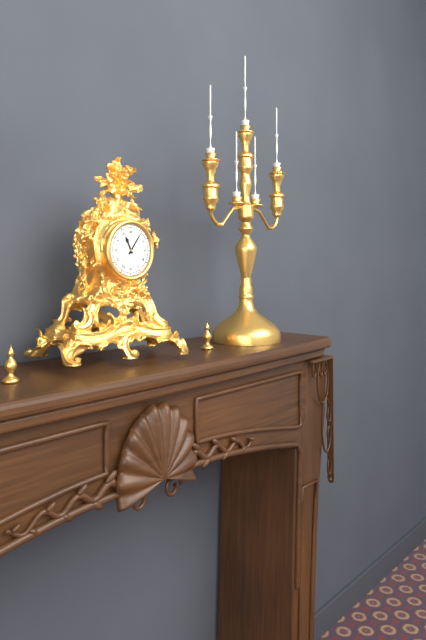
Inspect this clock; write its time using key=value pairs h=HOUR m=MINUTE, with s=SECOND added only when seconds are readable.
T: h=11 m=6
